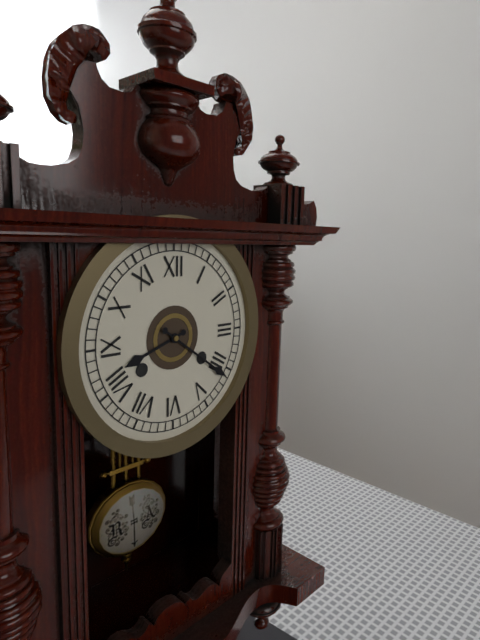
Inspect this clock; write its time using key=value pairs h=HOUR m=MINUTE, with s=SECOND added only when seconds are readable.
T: h=8 m=21
